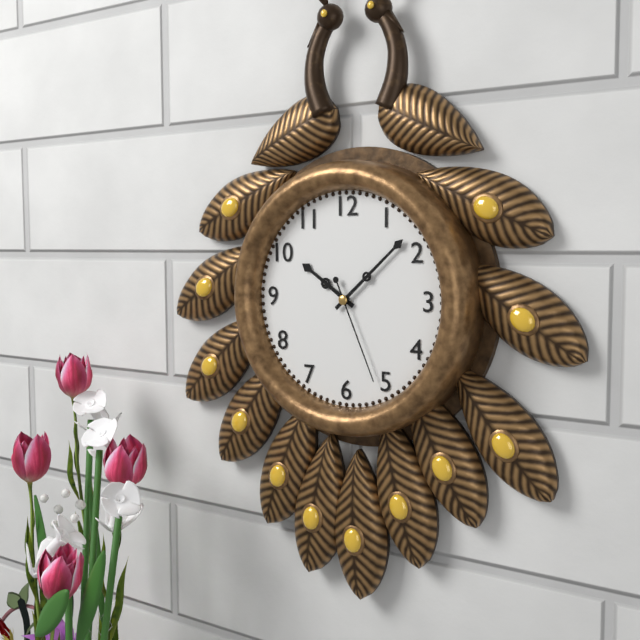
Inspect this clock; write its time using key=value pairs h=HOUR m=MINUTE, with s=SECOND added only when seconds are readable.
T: h=10 m=8 s=26
